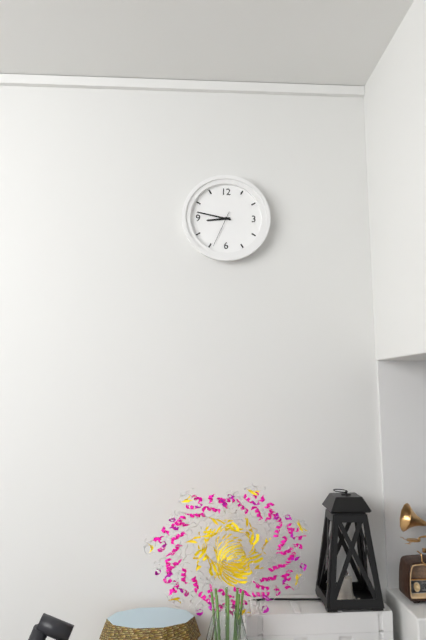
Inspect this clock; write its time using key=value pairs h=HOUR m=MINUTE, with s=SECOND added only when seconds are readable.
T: h=8 m=47
